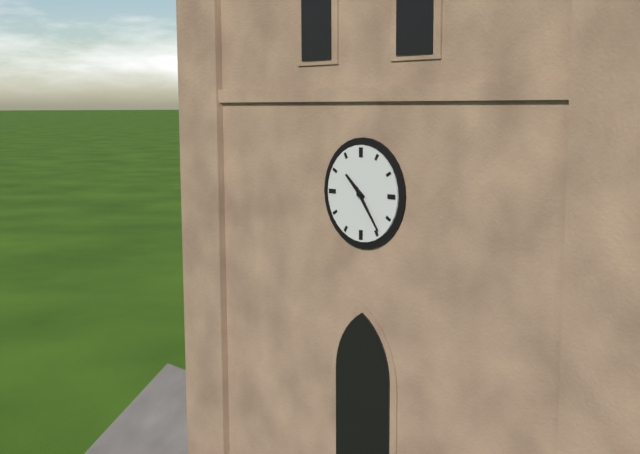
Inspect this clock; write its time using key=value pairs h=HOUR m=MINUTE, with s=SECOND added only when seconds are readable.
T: h=10 m=24
